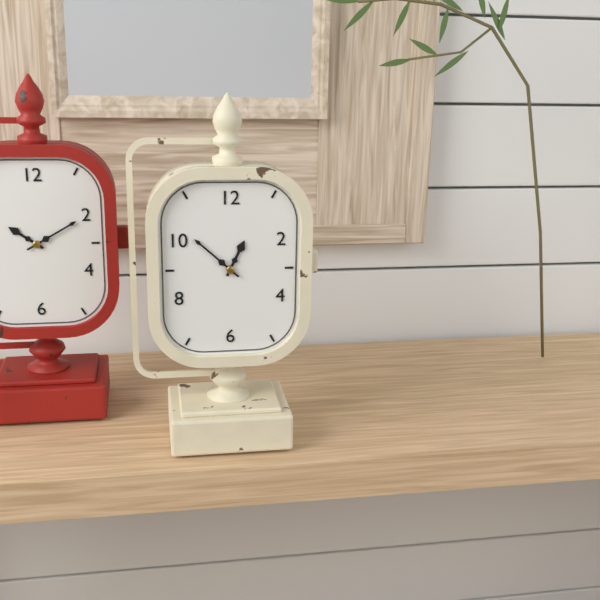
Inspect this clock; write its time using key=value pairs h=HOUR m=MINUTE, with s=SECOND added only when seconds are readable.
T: h=12 m=52
